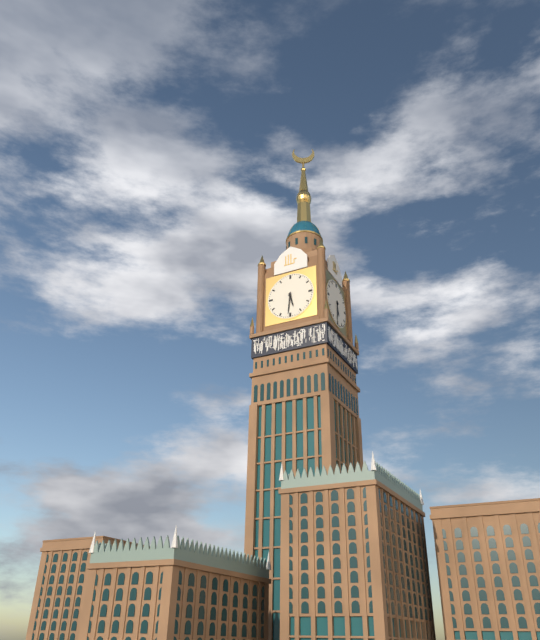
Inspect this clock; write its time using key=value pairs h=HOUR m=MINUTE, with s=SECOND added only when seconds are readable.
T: h=5 m=31
